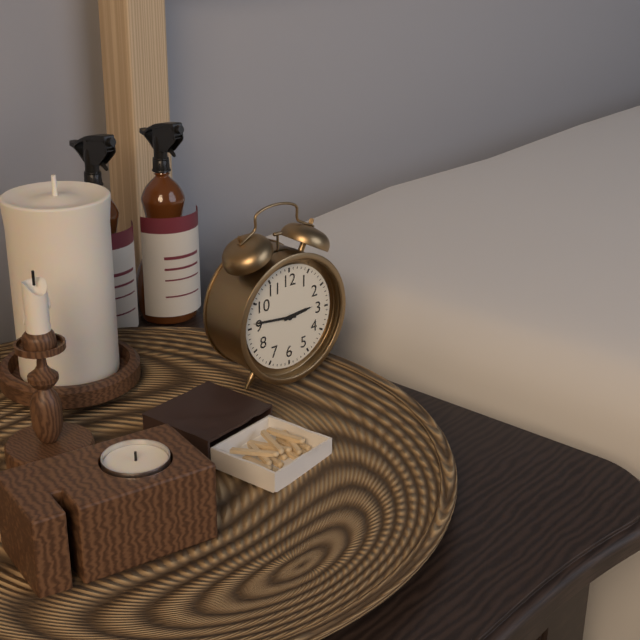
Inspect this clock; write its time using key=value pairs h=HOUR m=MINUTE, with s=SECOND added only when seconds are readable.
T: h=2 m=46
